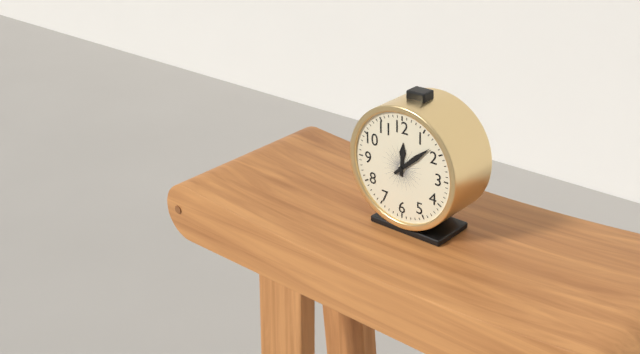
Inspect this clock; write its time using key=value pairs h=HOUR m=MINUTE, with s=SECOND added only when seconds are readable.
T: h=12 m=8
